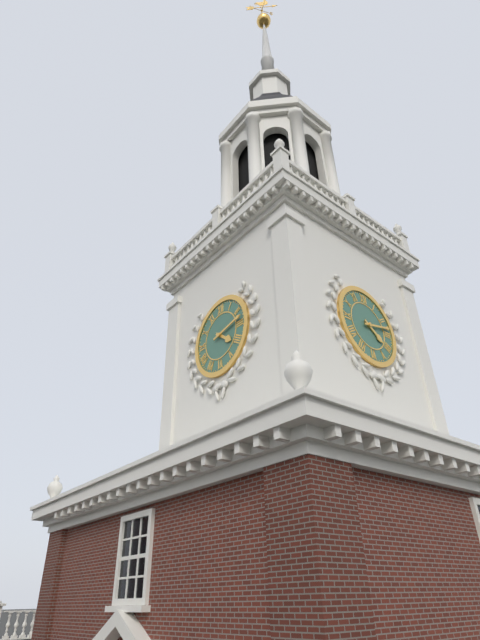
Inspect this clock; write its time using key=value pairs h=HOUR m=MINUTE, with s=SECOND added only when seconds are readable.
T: h=4 m=13
